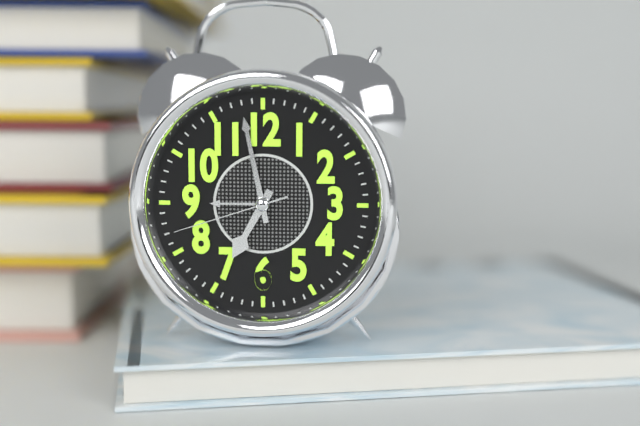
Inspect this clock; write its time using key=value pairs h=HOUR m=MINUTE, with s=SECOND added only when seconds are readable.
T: h=6 m=58 s=42
